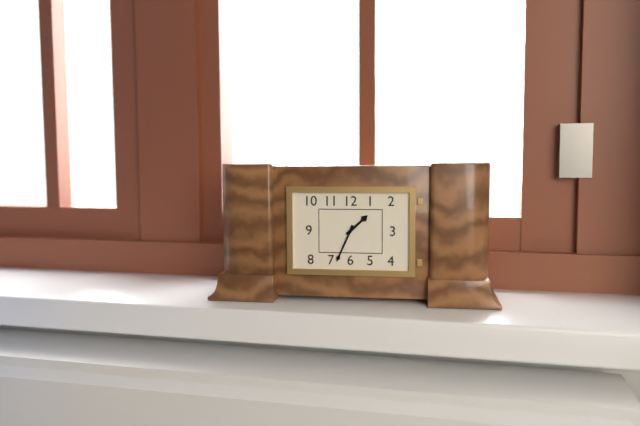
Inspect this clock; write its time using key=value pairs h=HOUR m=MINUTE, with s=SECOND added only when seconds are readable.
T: h=1 m=34
